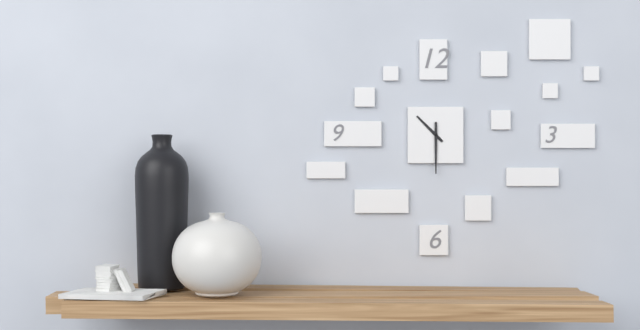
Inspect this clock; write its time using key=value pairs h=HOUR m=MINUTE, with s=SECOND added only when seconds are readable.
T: h=10 m=30
